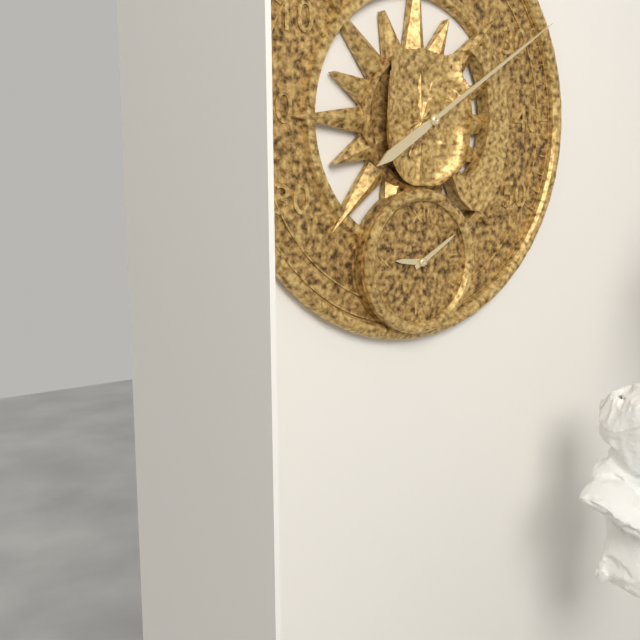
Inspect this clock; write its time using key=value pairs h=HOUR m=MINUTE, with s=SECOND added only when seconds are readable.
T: h=9 m=10
